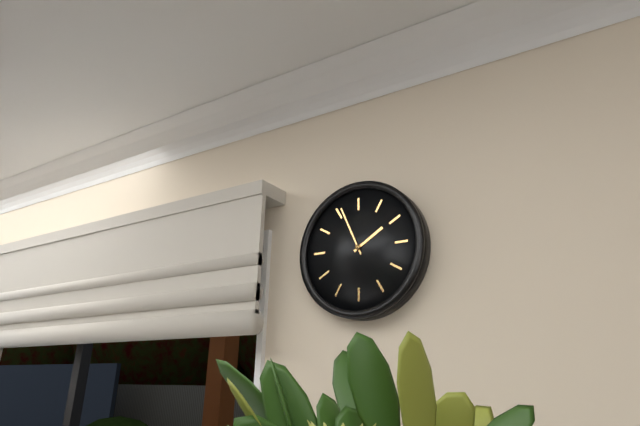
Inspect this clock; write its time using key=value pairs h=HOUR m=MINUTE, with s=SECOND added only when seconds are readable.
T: h=1 m=56
